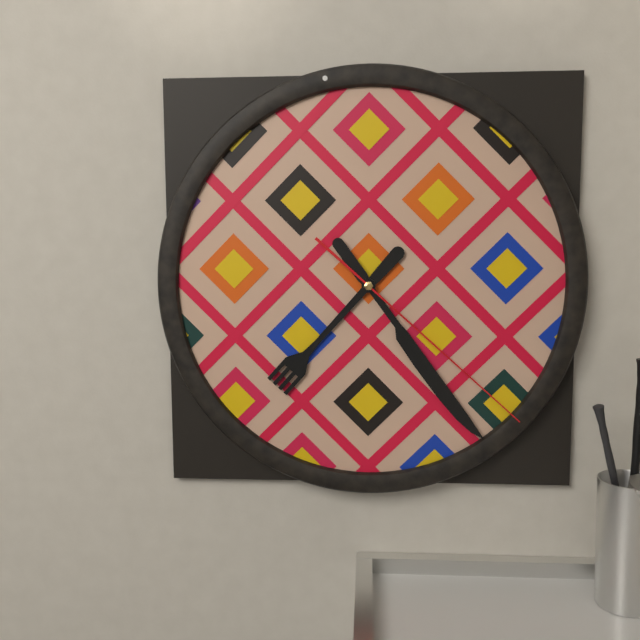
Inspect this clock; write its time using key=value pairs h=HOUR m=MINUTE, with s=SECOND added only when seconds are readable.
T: h=7 m=24 s=22
